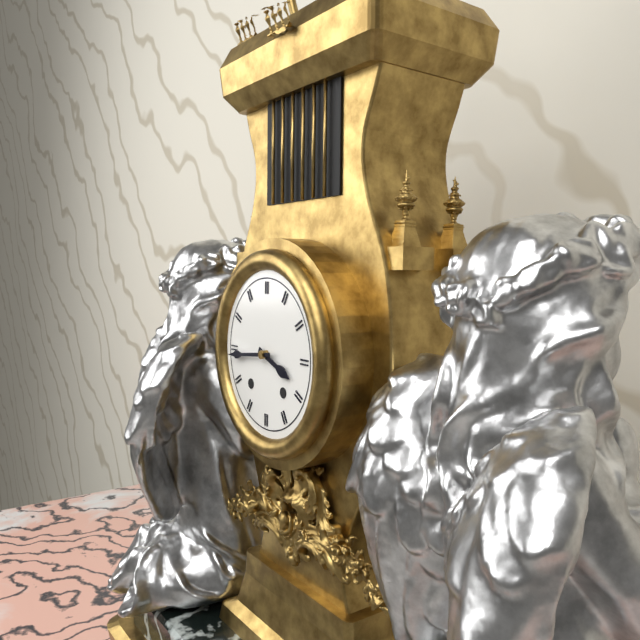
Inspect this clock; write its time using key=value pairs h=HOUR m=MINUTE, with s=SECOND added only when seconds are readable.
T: h=3 m=44
